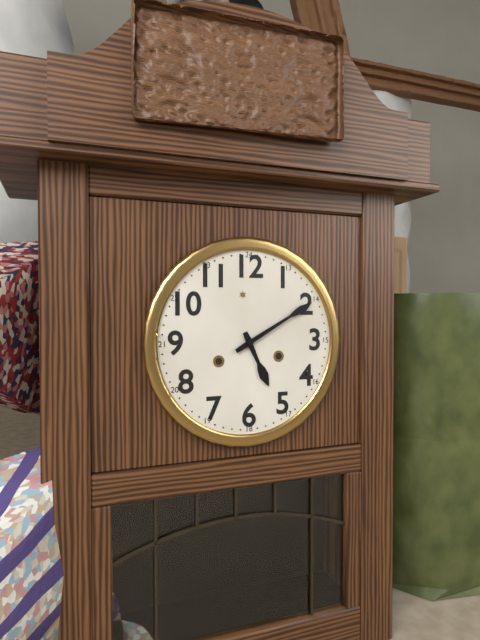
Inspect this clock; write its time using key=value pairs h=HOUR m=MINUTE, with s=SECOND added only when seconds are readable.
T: h=5 m=10
